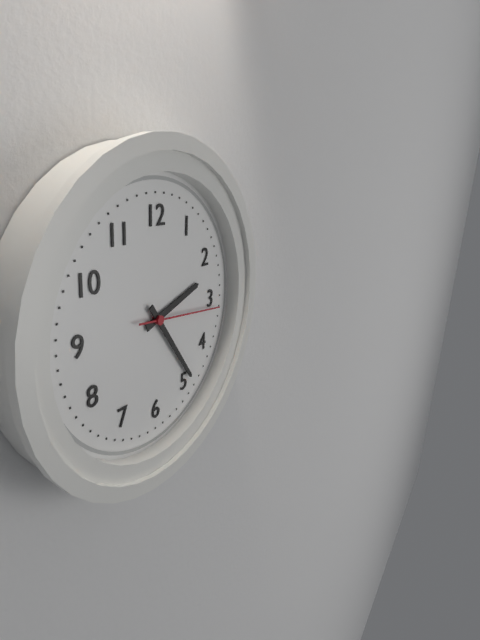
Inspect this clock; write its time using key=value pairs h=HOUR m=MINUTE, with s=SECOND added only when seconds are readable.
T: h=2 m=24 s=16
